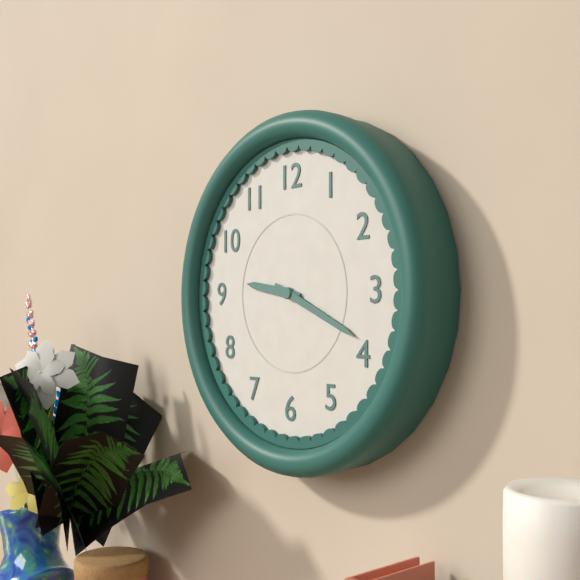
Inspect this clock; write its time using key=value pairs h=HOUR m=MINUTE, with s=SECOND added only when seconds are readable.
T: h=9 m=19
